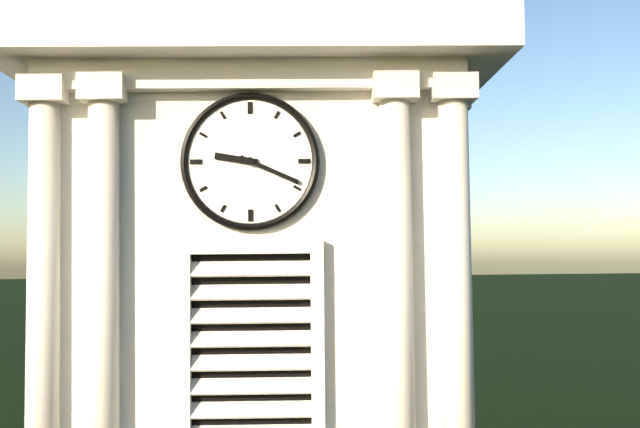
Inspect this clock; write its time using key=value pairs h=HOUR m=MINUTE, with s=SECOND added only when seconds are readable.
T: h=9 m=19
